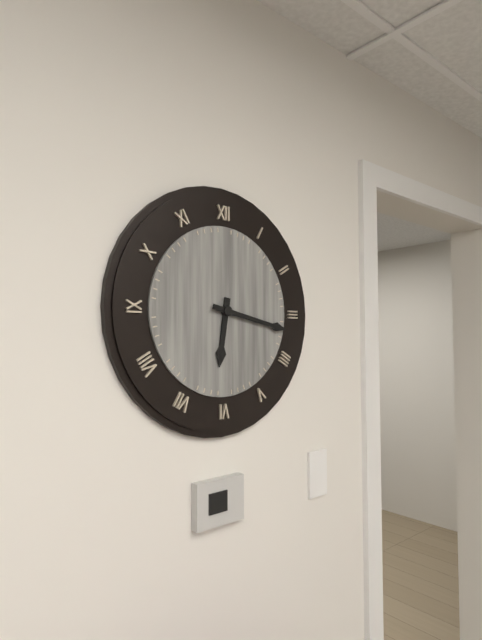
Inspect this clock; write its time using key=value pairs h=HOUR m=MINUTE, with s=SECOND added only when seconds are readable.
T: h=6 m=17
